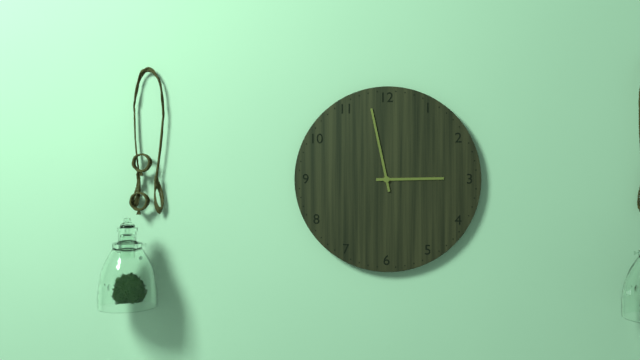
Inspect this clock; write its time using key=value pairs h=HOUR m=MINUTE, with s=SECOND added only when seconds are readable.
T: h=2 m=58
